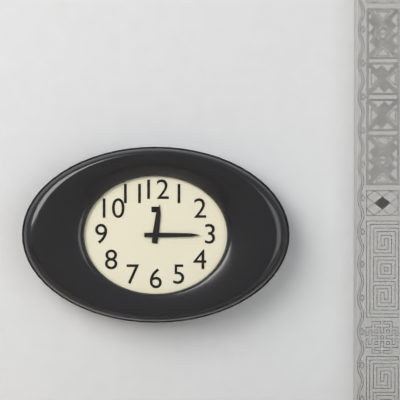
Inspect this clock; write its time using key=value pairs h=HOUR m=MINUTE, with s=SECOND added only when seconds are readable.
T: h=12 m=15
